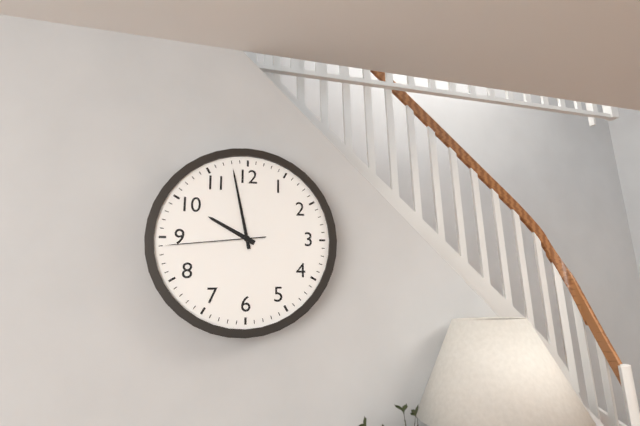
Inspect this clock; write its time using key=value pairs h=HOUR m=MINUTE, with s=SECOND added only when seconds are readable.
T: h=9 m=58 s=44
